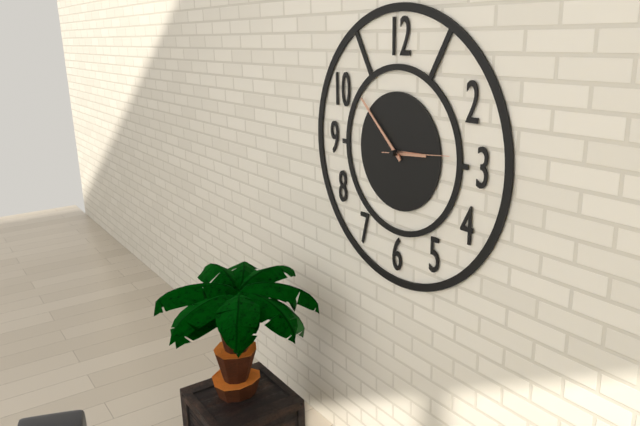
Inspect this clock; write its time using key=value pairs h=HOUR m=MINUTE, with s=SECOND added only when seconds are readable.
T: h=2 m=52 s=14
